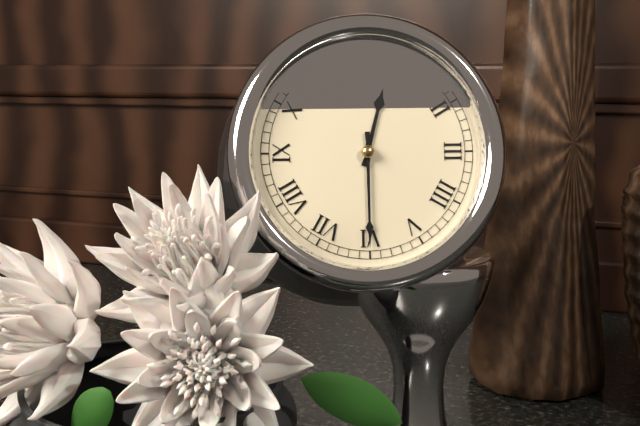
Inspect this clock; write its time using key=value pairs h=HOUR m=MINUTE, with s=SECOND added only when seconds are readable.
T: h=12 m=30
